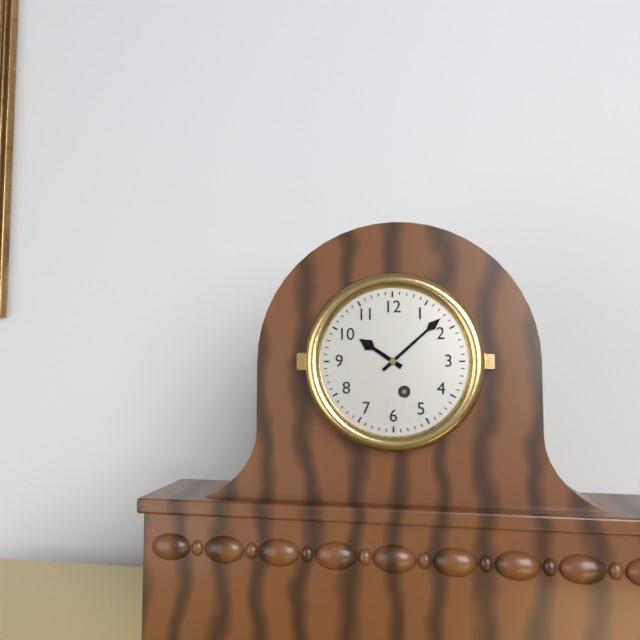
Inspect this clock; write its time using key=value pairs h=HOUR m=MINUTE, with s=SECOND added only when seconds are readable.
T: h=10 m=8
